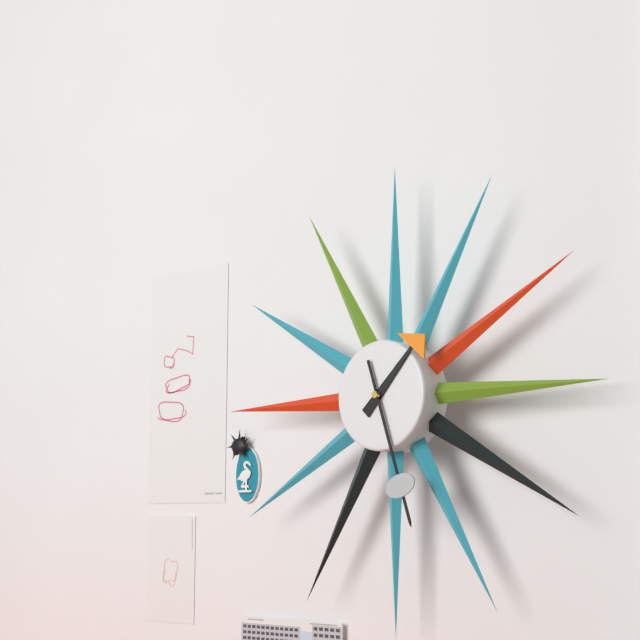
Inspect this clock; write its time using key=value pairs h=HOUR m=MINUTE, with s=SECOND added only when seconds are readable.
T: h=1 m=27
